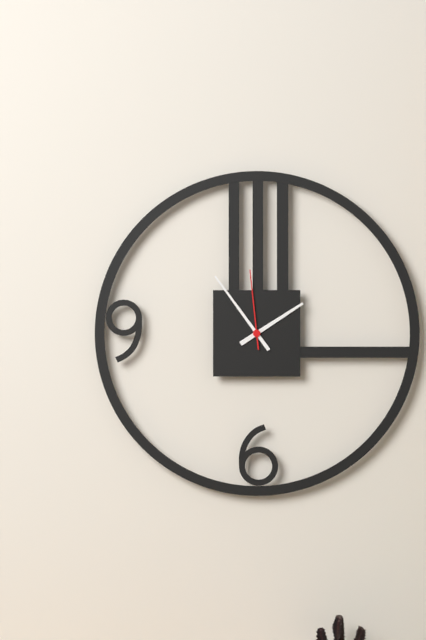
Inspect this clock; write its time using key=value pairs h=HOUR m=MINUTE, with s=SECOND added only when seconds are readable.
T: h=1 m=54 s=59
